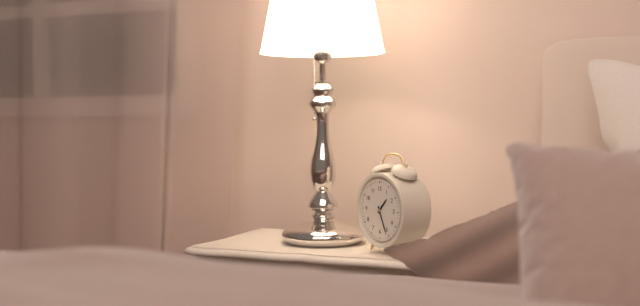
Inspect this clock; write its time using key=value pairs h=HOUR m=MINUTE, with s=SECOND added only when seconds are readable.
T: h=1 m=26
